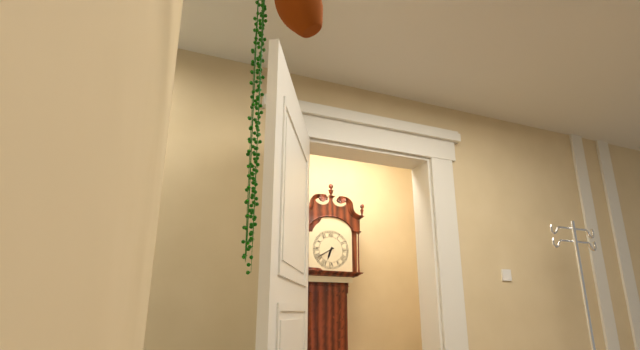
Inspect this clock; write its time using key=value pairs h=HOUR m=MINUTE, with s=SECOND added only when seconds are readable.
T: h=6 m=40
